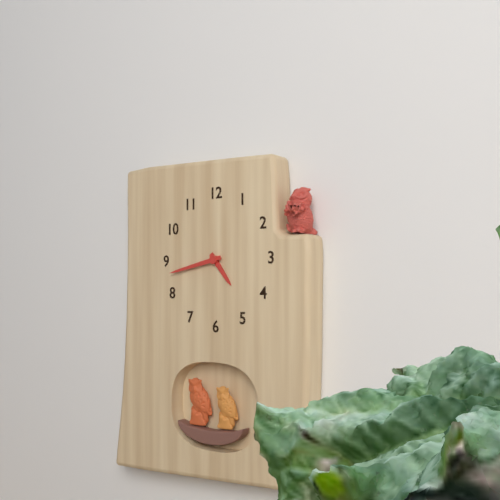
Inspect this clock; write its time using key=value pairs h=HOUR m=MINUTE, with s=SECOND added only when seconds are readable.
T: h=4 m=43
